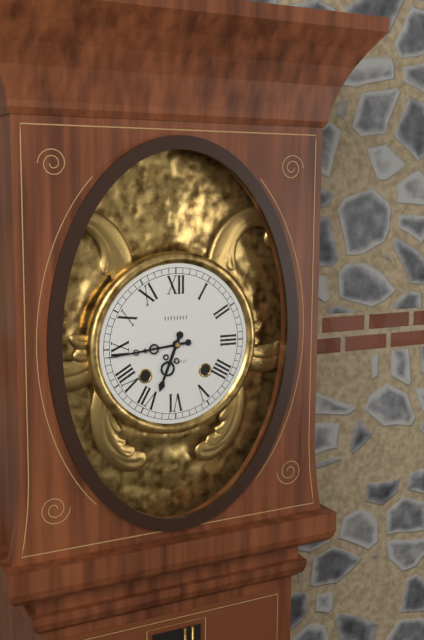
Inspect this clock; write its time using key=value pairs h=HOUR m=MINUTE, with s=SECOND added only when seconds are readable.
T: h=6 m=44
